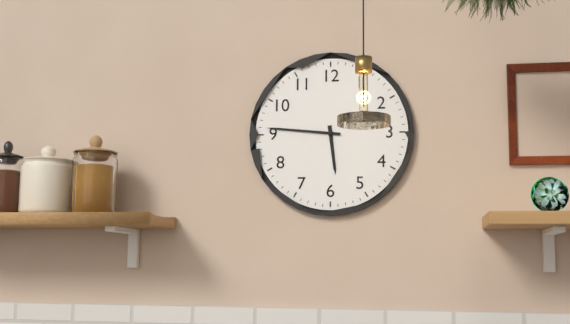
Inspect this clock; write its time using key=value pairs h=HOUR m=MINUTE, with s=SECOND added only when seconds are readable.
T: h=5 m=46
